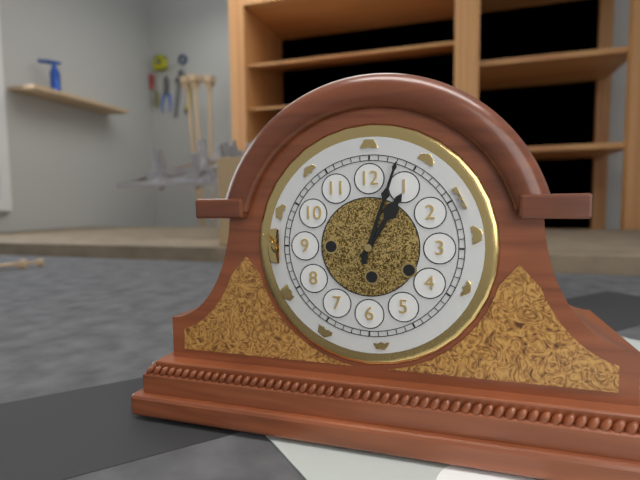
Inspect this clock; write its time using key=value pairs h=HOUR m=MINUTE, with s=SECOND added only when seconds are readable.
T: h=1 m=3
